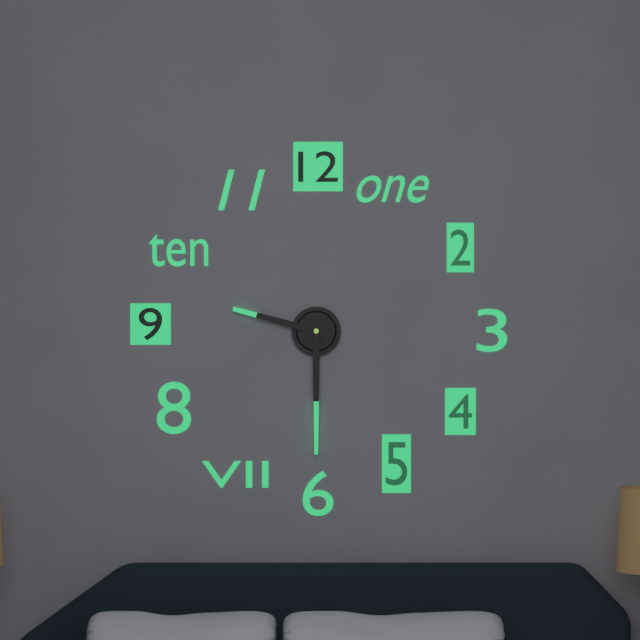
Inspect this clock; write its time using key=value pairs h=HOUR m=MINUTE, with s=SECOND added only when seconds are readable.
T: h=9 m=30
